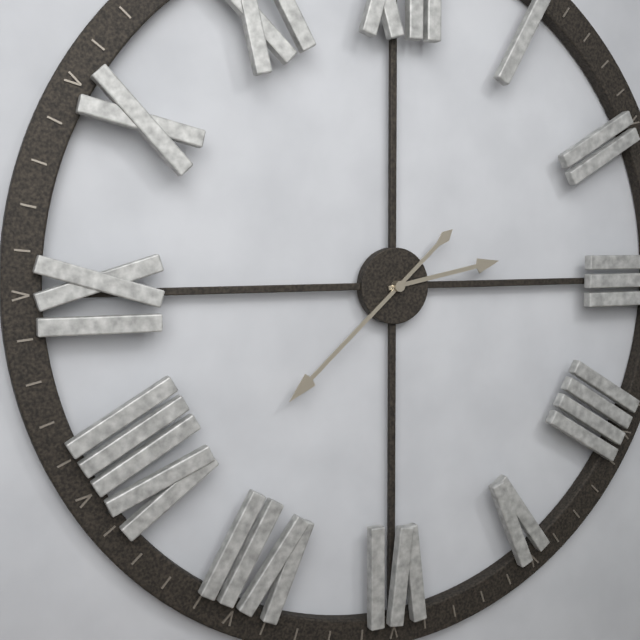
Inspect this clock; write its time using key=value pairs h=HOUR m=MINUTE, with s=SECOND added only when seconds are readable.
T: h=2 m=38
